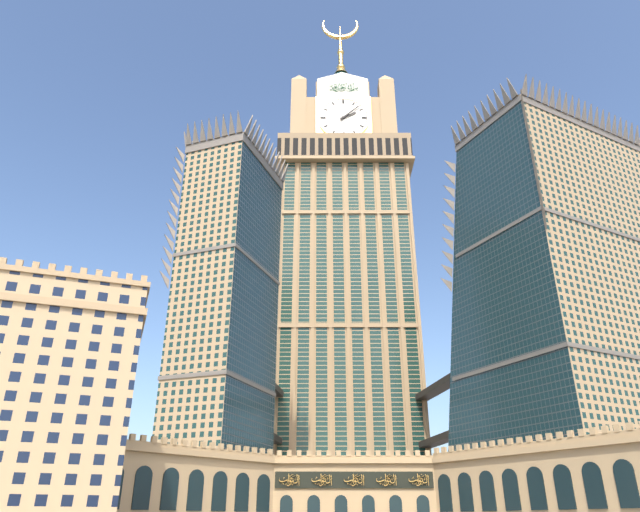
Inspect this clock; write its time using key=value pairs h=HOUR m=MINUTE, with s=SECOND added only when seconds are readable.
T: h=2 m=8
